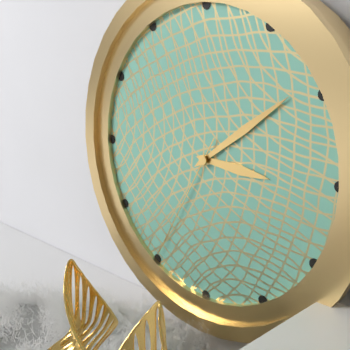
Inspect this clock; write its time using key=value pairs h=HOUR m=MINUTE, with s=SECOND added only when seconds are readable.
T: h=3 m=9 s=35
